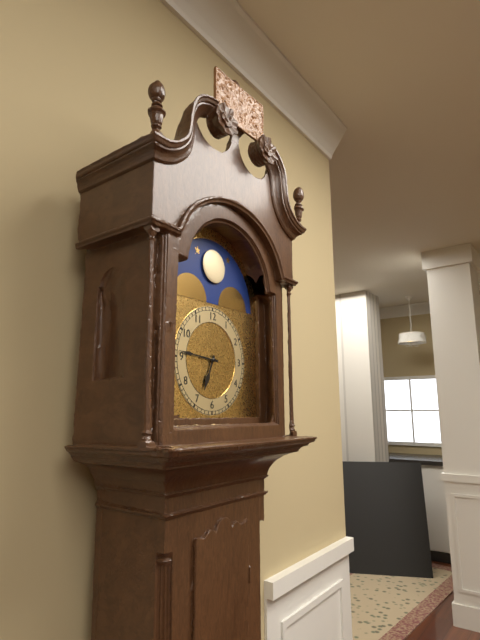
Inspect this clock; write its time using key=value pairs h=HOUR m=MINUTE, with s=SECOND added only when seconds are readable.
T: h=6 m=46
